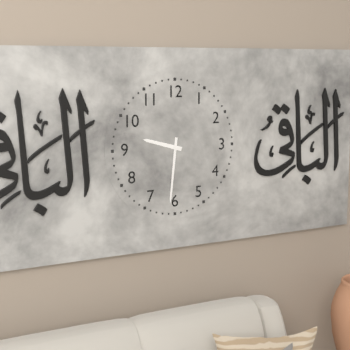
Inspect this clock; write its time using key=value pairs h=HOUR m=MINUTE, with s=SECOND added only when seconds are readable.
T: h=9 m=31
